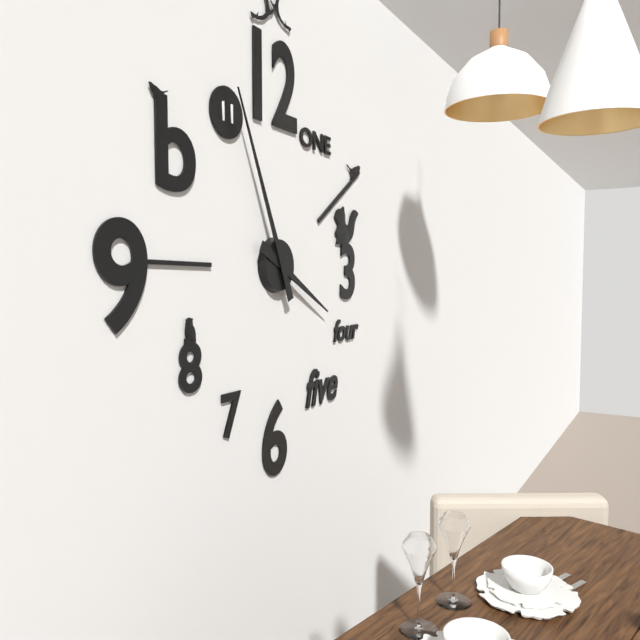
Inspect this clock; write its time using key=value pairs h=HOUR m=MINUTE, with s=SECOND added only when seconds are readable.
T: h=3 m=56
